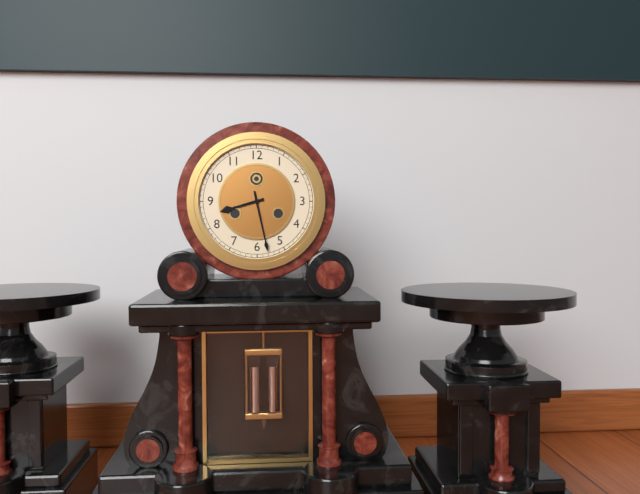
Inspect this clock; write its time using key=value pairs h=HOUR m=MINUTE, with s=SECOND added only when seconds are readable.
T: h=8 m=28
